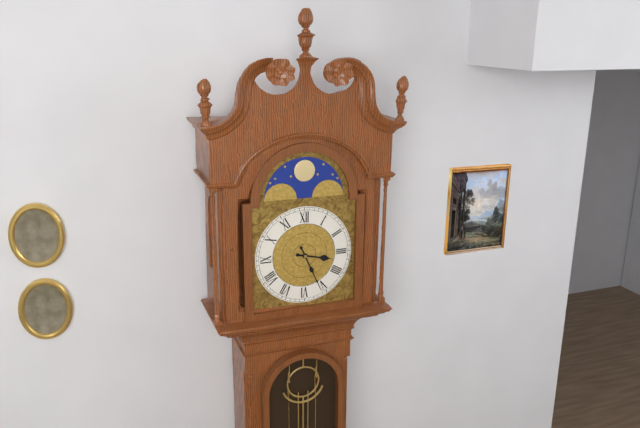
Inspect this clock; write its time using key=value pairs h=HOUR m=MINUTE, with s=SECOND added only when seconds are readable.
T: h=3 m=26
